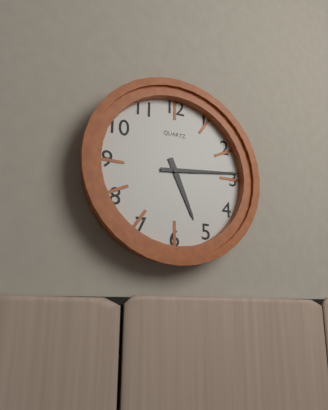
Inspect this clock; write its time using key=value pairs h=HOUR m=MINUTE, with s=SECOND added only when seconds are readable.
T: h=5 m=14
